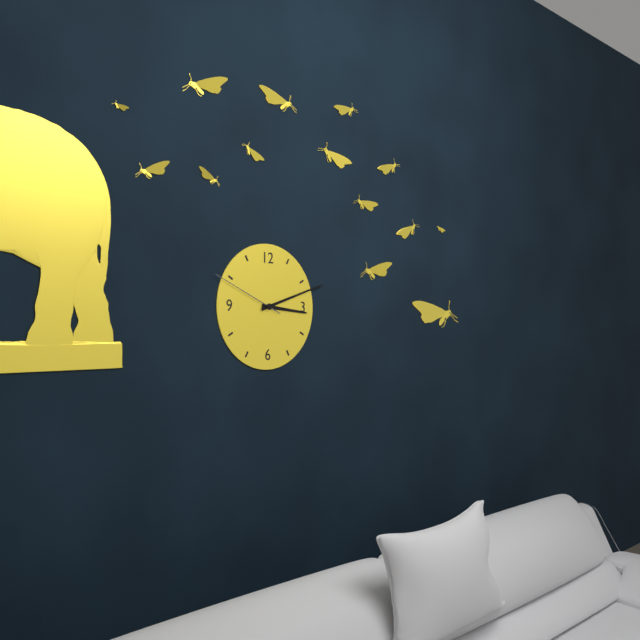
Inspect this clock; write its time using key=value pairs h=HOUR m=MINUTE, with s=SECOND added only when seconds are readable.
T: h=3 m=12 s=49
